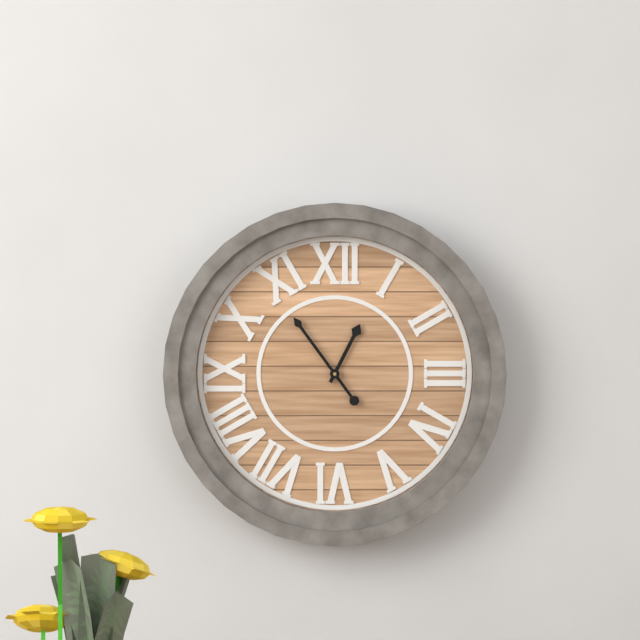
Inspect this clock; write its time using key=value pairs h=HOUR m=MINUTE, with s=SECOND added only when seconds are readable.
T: h=12 m=54
